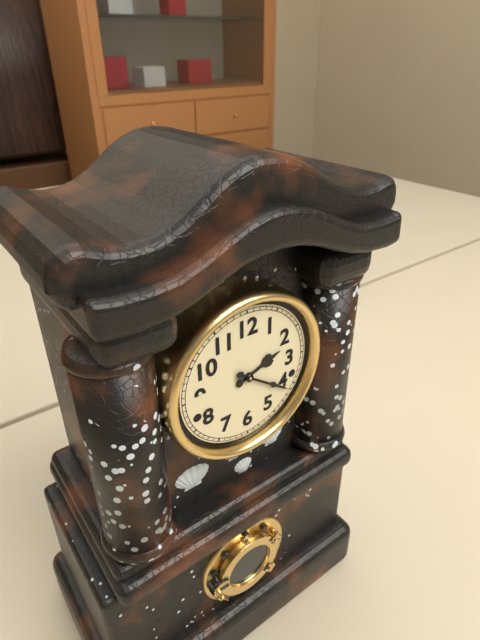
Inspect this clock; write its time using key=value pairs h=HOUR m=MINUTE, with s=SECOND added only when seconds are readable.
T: h=2 m=21
